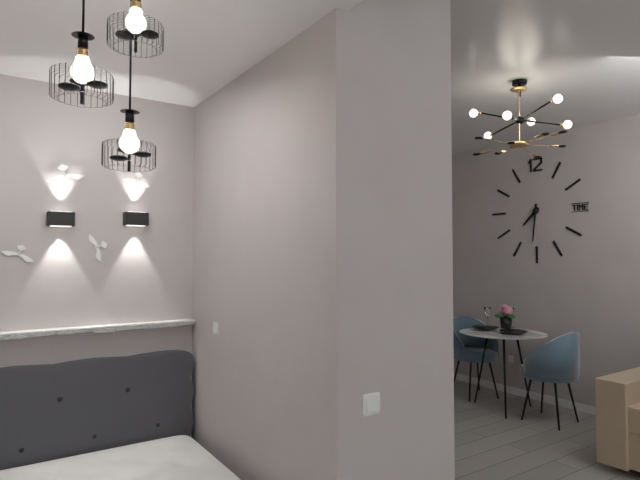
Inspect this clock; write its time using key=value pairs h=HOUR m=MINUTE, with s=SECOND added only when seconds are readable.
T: h=7 m=31
